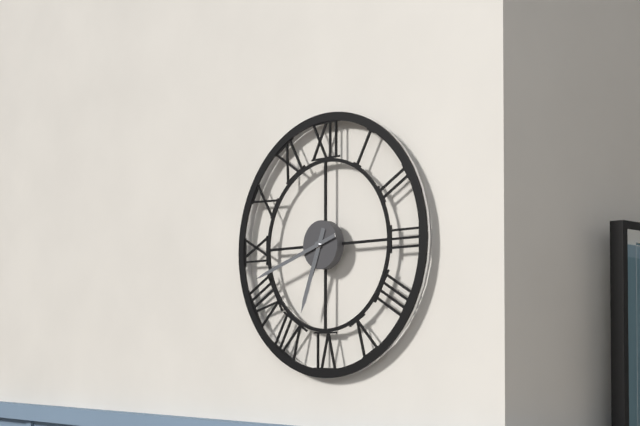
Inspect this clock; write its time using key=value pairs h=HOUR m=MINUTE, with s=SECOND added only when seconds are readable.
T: h=6 m=42
